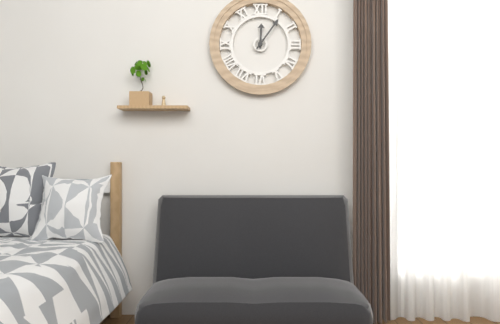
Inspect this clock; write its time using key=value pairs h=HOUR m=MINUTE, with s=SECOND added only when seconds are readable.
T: h=12 m=6
